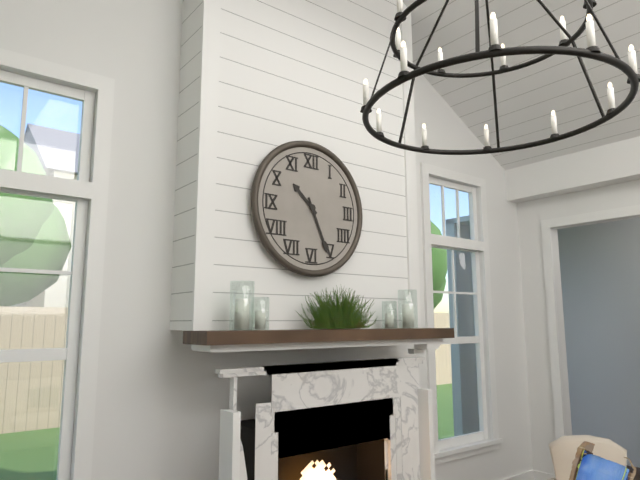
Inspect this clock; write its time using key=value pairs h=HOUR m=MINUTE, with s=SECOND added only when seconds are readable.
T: h=10 m=26
